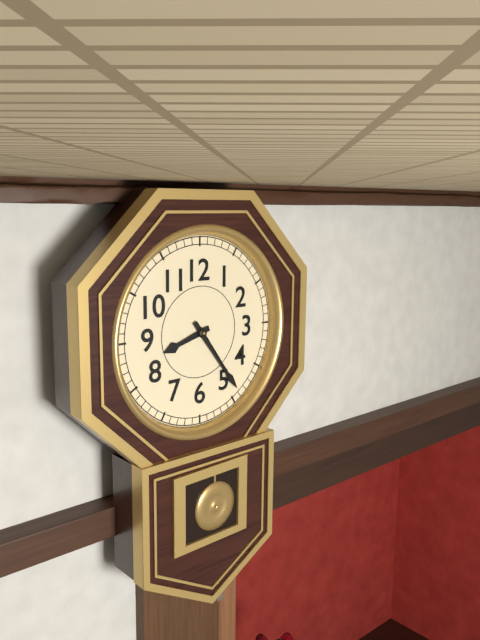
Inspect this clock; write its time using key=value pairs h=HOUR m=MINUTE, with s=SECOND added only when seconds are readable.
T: h=8 m=24
